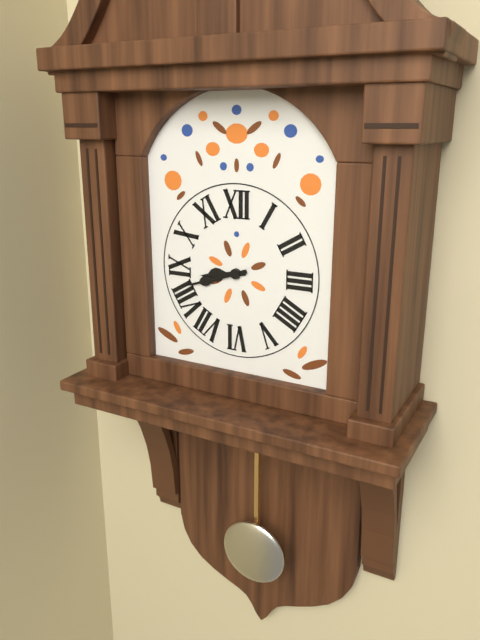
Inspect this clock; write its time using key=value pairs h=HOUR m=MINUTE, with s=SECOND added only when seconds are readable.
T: h=8 m=42
